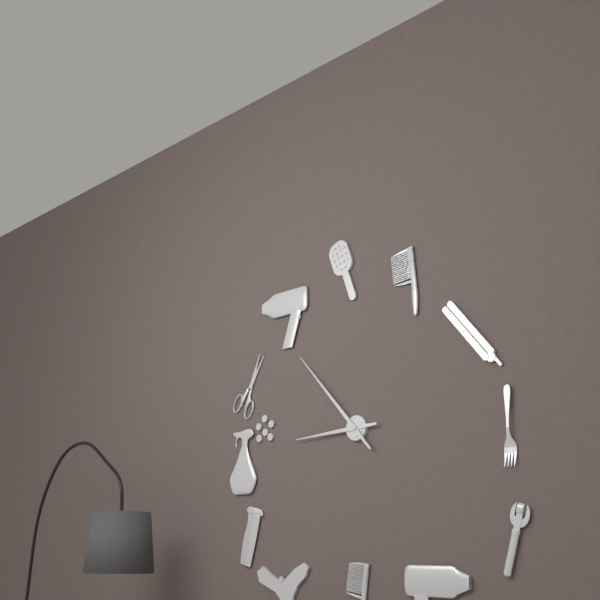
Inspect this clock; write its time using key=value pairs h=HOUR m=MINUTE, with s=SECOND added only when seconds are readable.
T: h=8 m=53
